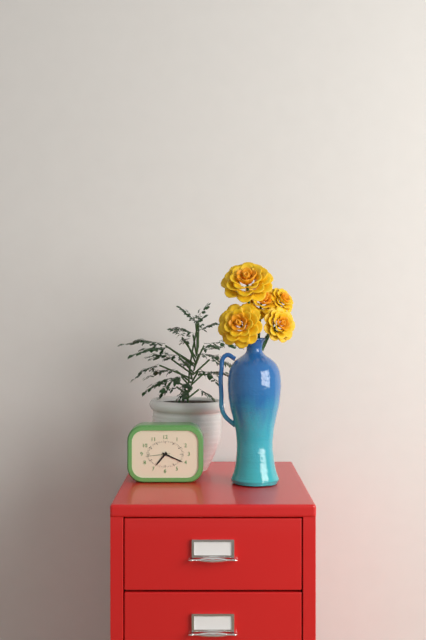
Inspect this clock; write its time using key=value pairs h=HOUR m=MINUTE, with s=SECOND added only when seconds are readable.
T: h=7 m=19
